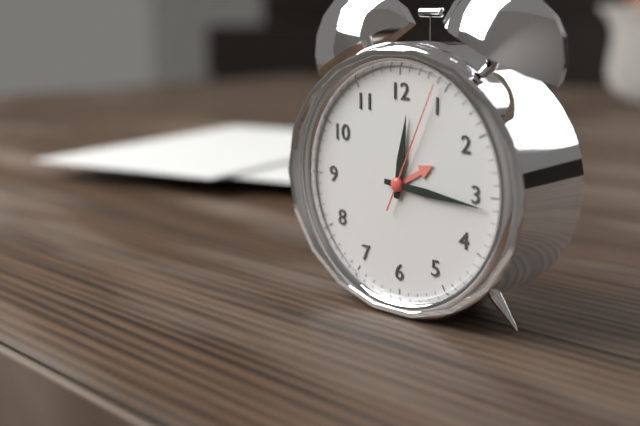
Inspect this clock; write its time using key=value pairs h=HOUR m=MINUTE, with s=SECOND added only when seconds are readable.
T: h=12 m=16 s=4
